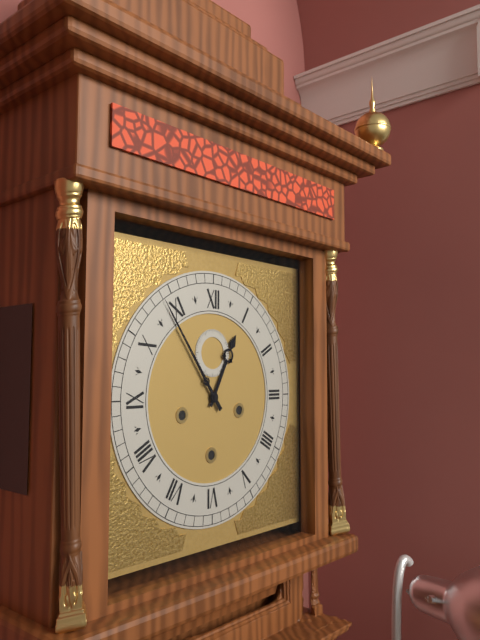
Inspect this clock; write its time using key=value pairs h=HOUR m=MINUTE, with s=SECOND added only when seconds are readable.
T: h=12 m=54
